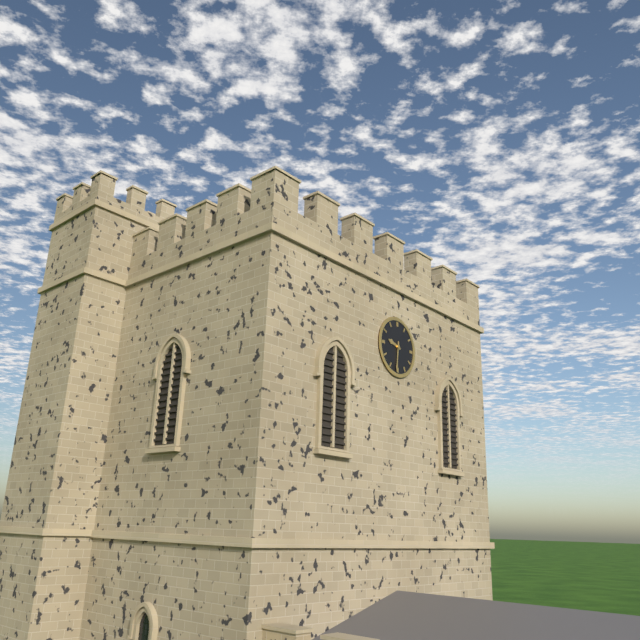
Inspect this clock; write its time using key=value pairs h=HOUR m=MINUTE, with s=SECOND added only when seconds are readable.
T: h=9 m=31
